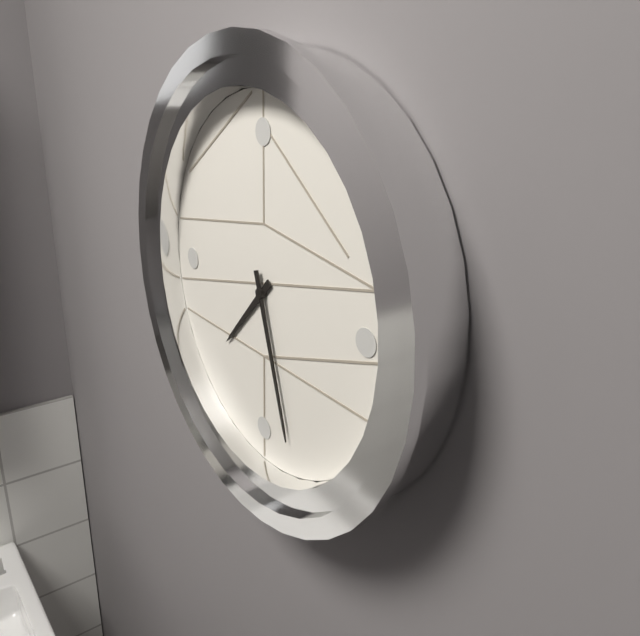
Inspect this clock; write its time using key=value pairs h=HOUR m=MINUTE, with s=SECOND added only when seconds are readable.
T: h=7 m=27
